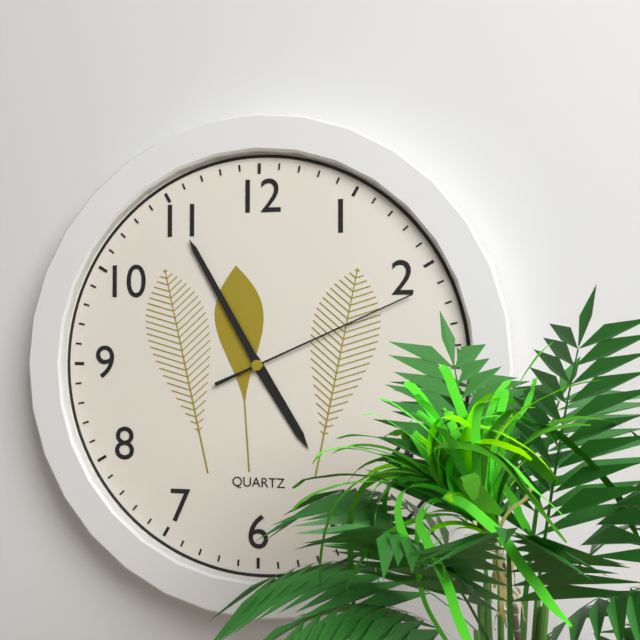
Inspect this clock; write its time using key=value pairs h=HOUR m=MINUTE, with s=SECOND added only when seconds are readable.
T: h=4 m=55 s=11
